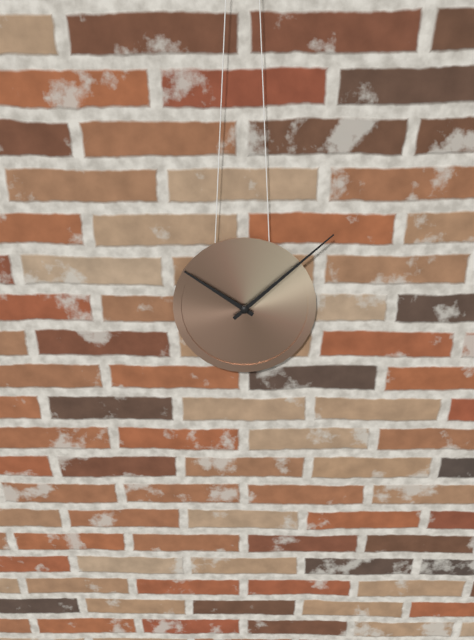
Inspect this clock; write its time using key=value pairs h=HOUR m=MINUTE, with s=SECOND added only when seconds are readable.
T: h=10 m=8
